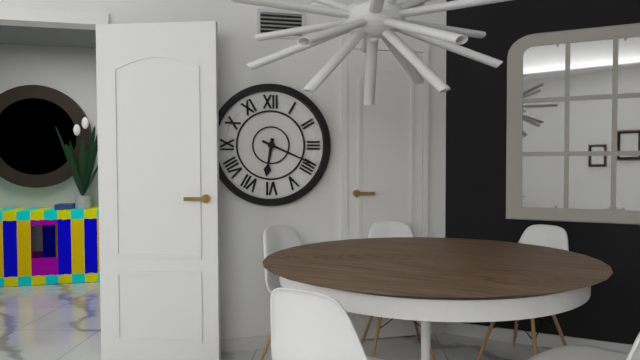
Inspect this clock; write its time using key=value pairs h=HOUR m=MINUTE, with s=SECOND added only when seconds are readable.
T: h=6 m=19
